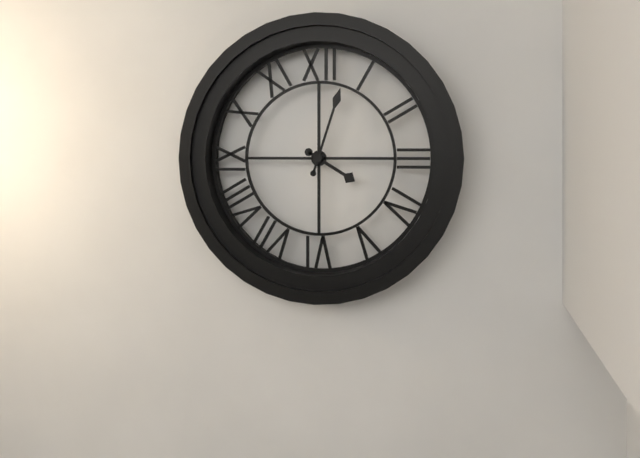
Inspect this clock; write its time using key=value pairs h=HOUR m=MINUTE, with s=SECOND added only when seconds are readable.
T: h=4 m=3
